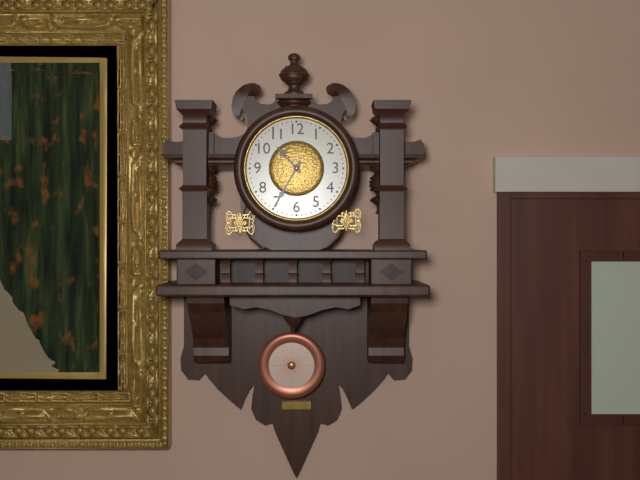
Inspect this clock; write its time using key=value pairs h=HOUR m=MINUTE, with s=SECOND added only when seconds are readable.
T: h=10 m=35
